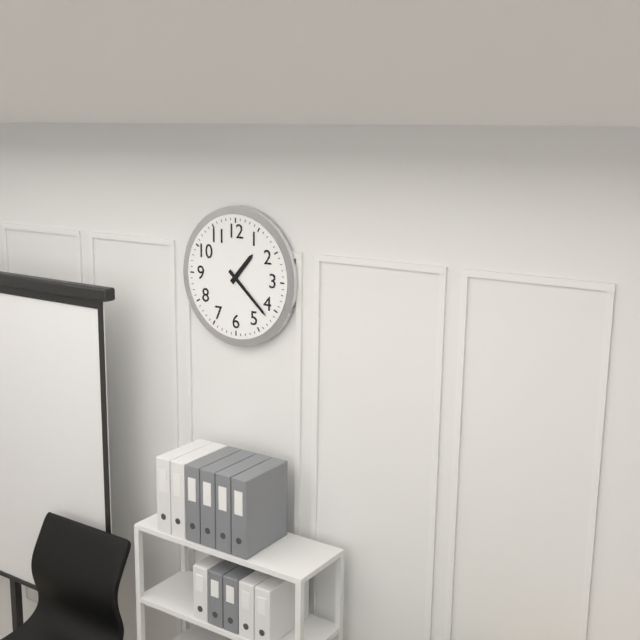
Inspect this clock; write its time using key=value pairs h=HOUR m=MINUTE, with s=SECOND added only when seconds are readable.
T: h=1 m=22
